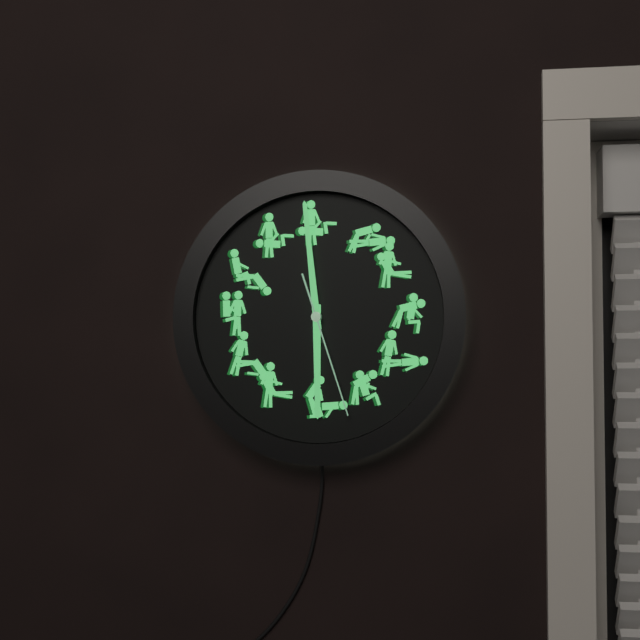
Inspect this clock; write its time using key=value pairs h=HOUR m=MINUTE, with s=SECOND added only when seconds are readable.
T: h=5 m=59 s=27
